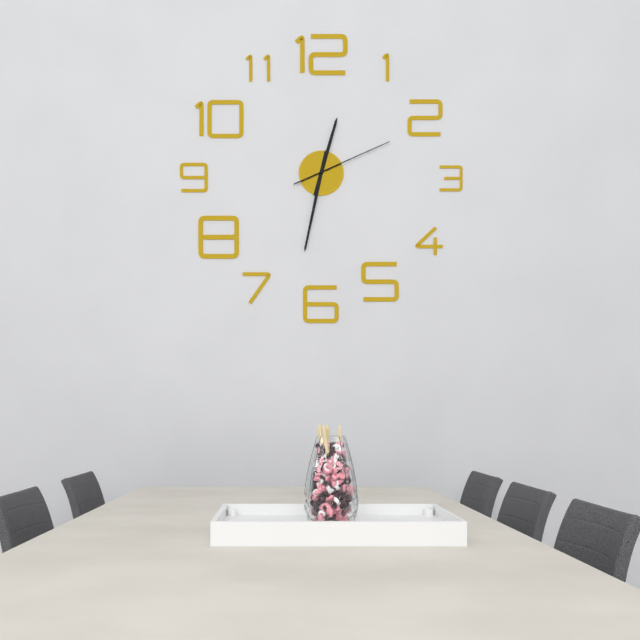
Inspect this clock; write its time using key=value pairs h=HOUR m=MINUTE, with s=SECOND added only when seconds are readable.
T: h=12 m=32 s=11
